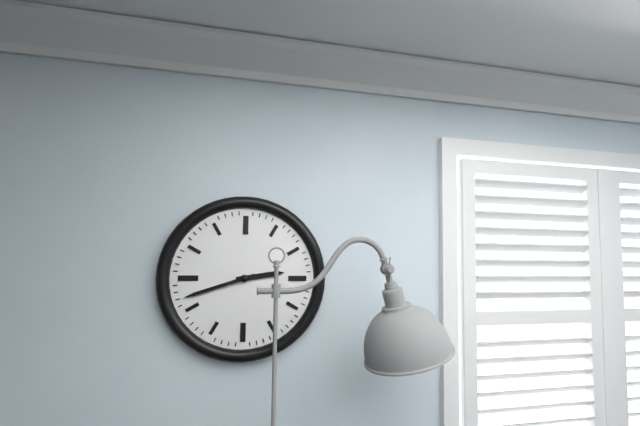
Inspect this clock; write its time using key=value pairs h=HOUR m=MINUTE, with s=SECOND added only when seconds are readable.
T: h=2 m=42
